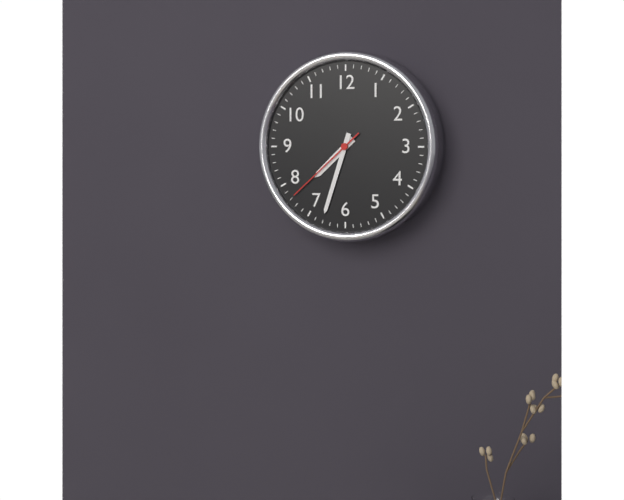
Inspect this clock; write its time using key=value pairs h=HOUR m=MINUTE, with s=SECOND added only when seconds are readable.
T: h=7 m=33 s=38
